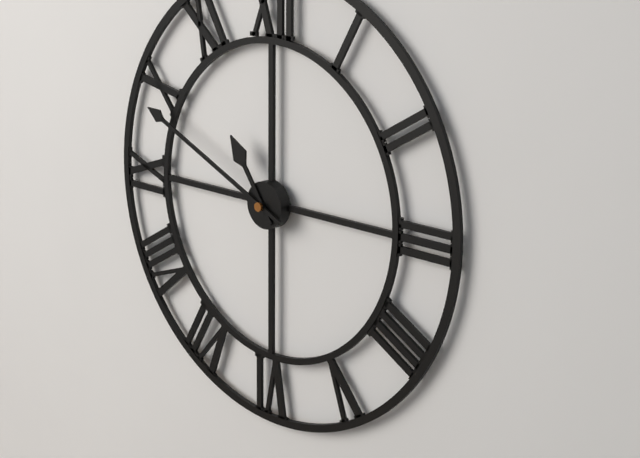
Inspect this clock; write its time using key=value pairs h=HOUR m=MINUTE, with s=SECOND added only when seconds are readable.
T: h=10 m=49
